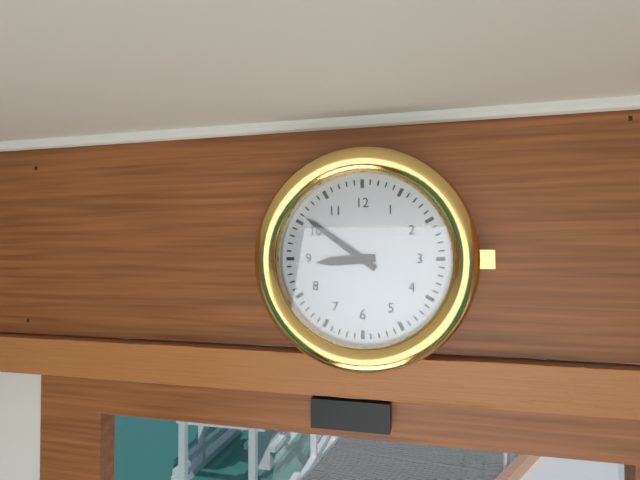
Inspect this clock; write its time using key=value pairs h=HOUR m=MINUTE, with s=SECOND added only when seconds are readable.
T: h=8 m=51
